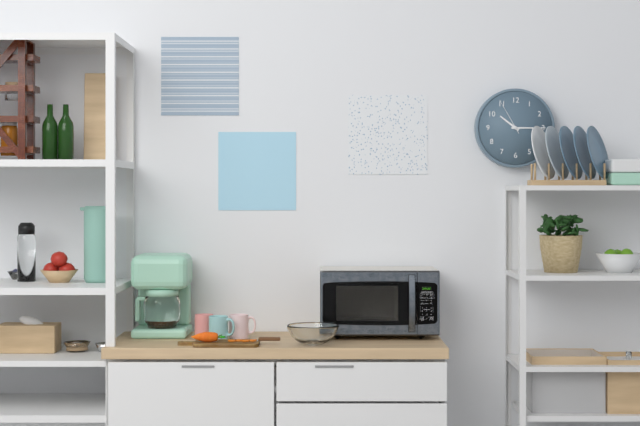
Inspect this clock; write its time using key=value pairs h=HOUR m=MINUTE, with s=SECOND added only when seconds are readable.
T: h=10 m=15
